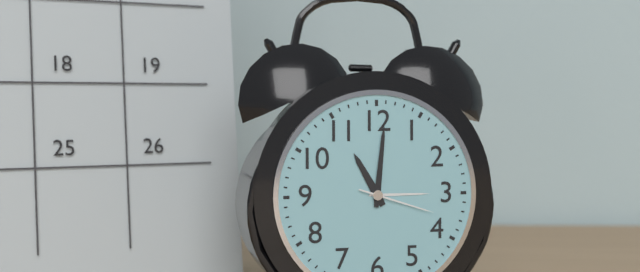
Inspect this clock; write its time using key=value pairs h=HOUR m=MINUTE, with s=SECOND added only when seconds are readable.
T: h=11 m=1 s=18
